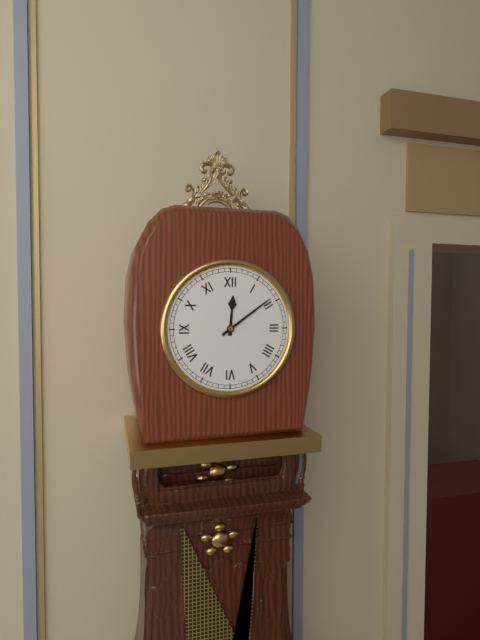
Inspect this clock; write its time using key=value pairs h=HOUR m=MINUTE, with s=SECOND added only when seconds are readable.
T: h=12 m=9
